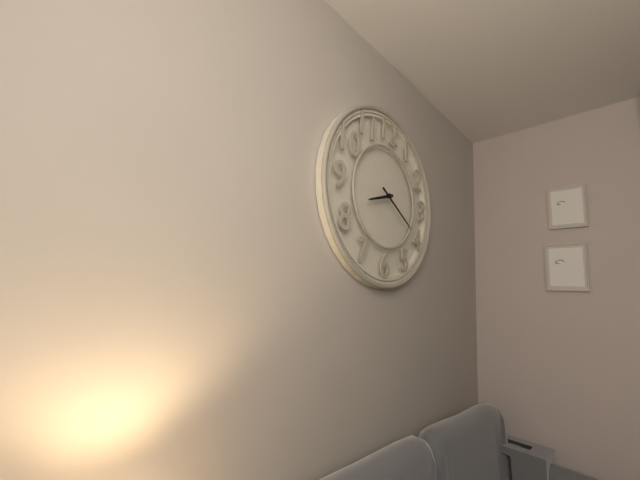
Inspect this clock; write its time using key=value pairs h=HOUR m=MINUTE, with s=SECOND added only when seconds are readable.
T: h=8 m=20
